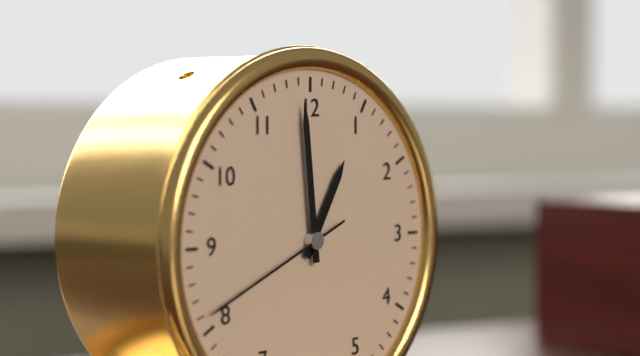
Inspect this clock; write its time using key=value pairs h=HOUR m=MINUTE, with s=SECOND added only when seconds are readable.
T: h=12 m=59 s=41
